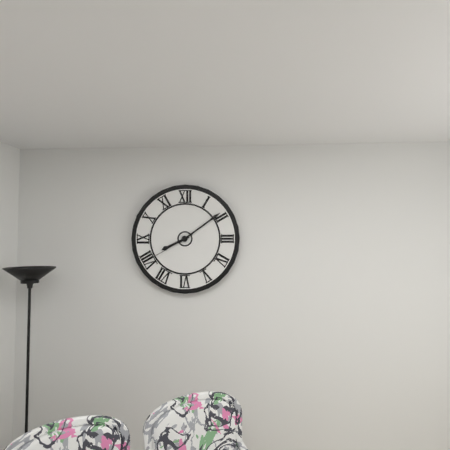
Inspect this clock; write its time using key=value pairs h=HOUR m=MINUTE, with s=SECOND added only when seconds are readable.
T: h=8 m=9 s=40
